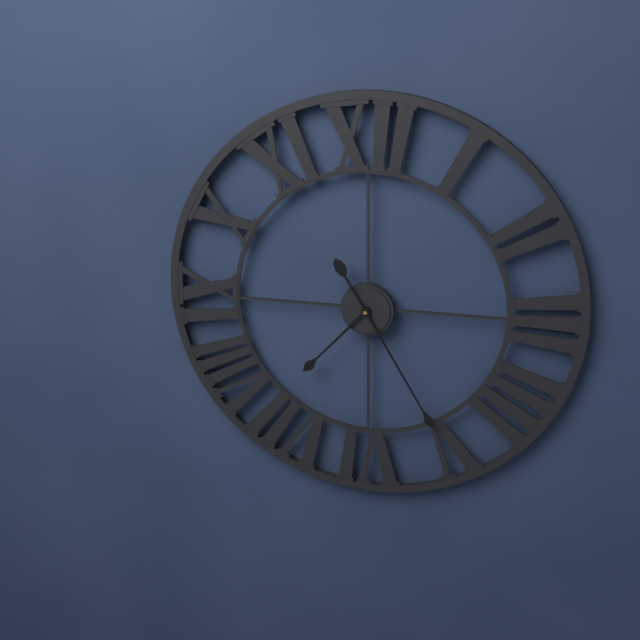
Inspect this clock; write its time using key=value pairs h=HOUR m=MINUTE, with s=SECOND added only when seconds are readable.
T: h=7 m=25
